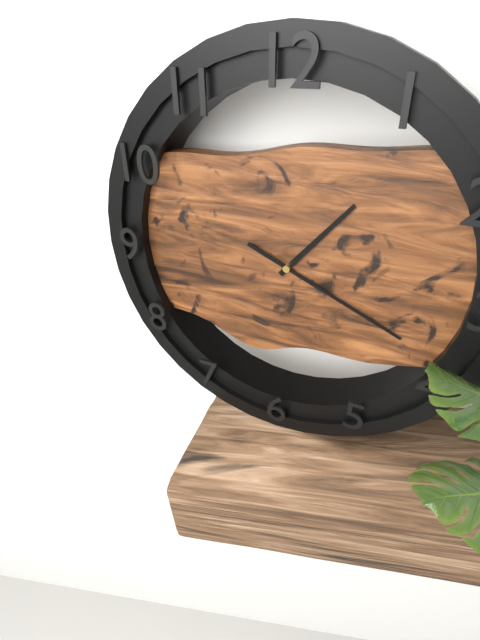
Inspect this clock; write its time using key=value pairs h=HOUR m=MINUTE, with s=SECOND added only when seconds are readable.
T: h=1 m=19
